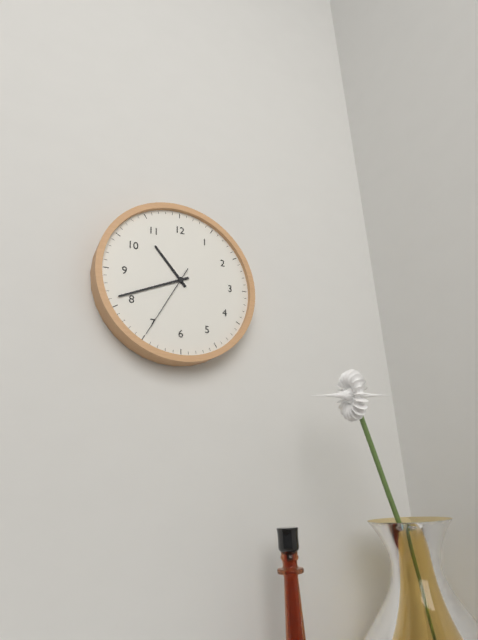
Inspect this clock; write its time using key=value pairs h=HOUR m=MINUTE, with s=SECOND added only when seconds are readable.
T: h=10 m=41 s=35
